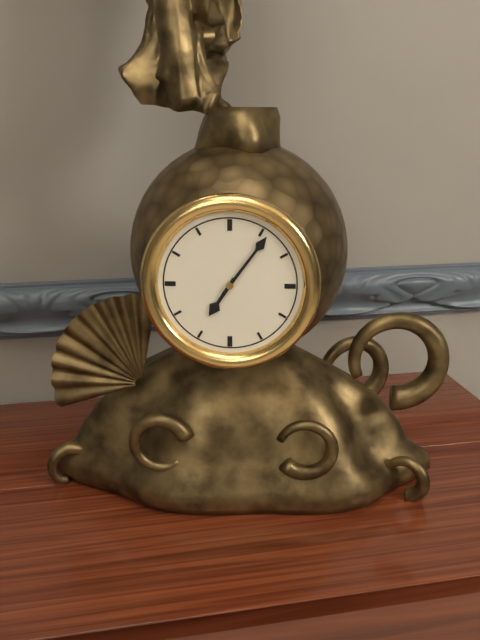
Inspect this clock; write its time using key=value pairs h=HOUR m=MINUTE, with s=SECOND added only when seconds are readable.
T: h=7 m=6
